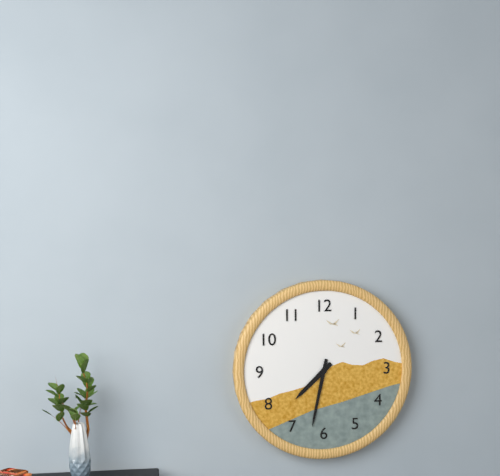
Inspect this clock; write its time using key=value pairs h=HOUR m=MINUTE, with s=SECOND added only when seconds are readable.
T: h=7 m=32
